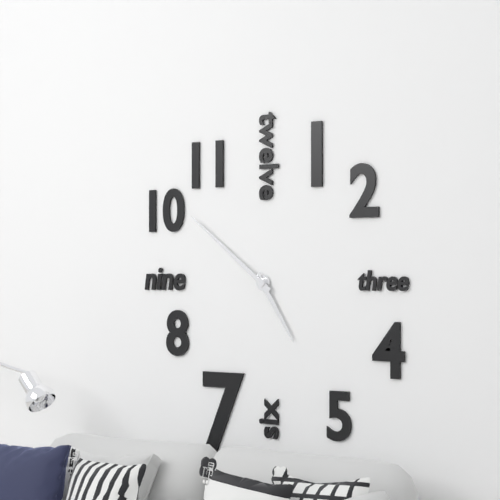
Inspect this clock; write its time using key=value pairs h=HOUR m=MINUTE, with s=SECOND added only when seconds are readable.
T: h=4 m=51
